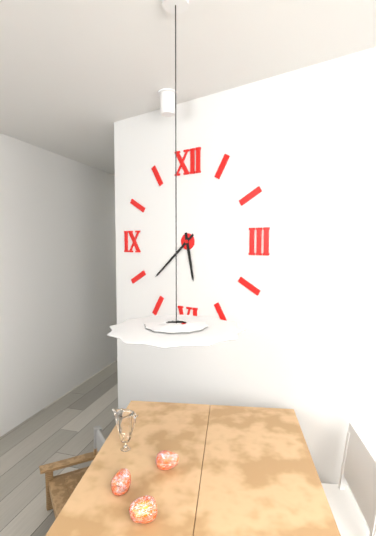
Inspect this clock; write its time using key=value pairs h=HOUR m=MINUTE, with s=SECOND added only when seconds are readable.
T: h=5 m=38
